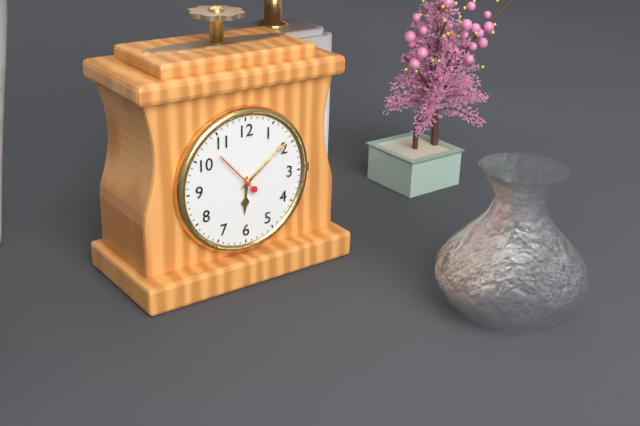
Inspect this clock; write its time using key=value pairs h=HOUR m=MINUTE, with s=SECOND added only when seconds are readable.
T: h=6 m=9
